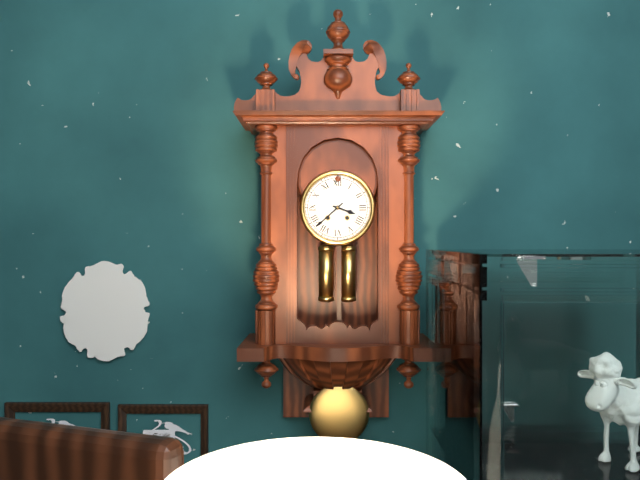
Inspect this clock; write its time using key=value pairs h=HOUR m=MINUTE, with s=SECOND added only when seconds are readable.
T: h=3 m=38
